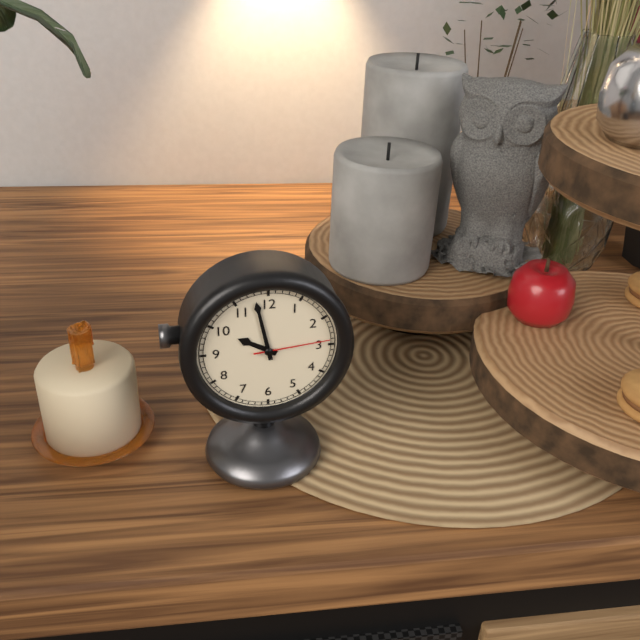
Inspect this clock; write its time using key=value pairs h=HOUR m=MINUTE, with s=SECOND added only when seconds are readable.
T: h=9 m=58 s=14
